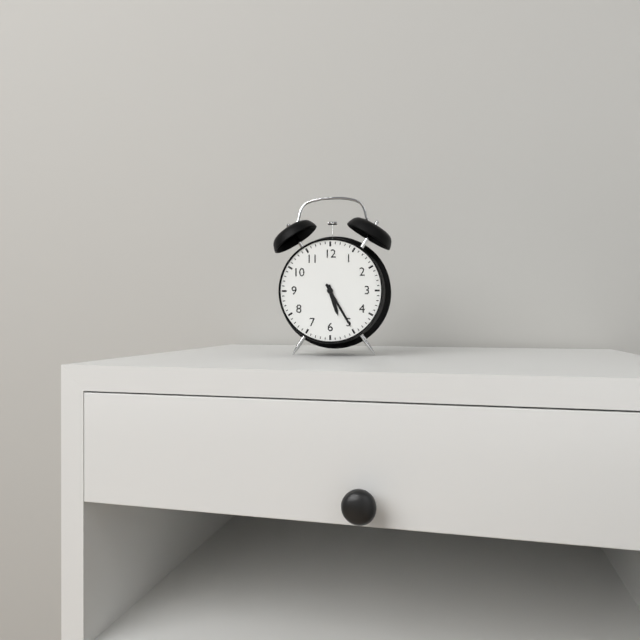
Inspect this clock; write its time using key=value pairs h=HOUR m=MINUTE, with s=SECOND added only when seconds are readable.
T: h=5 m=25
